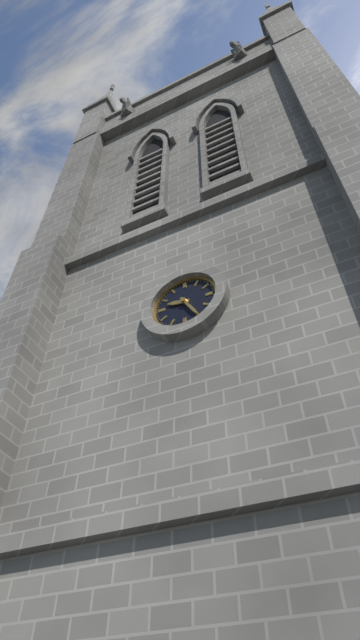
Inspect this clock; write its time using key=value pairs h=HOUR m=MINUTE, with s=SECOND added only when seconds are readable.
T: h=9 m=25
